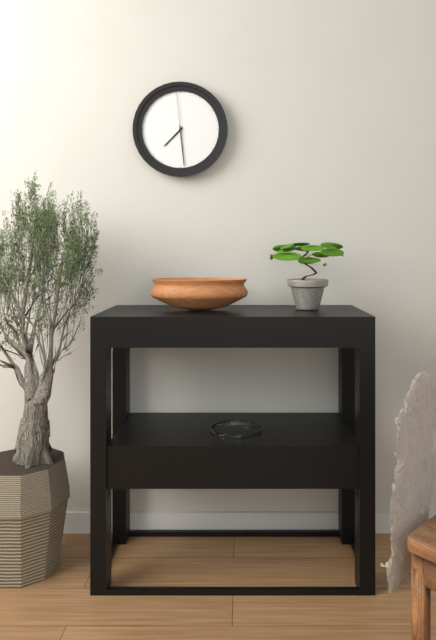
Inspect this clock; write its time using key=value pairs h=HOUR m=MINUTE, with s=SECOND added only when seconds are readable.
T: h=7 m=29
